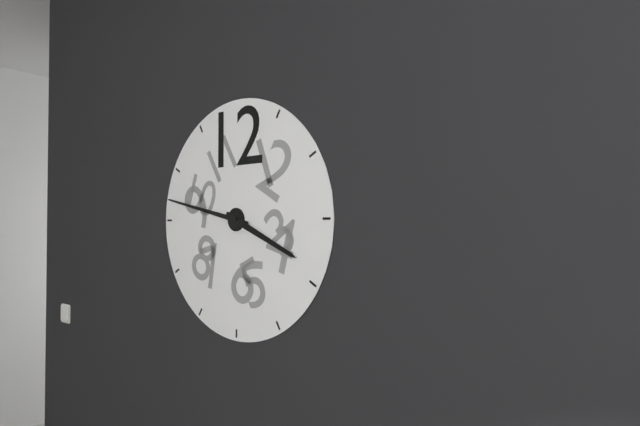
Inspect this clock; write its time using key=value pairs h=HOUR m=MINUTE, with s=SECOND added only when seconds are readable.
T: h=3 m=47
